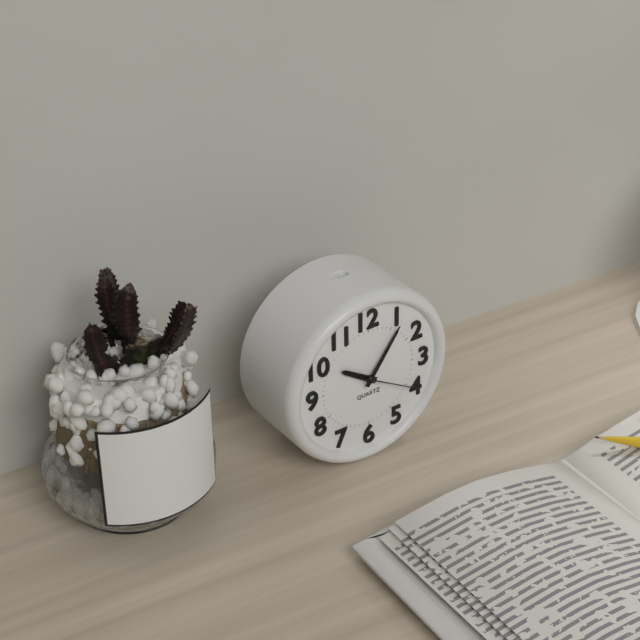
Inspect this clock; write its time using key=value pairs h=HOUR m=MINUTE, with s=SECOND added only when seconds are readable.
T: h=10 m=6 s=20
